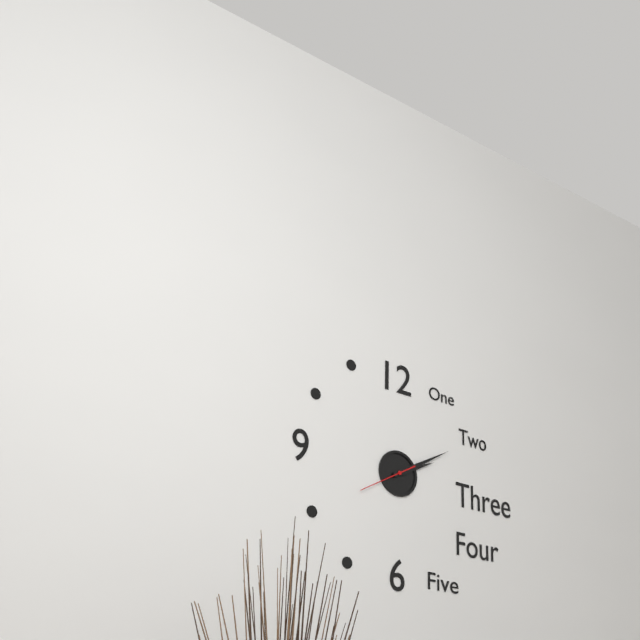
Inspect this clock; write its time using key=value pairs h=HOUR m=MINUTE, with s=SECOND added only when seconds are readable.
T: h=2 m=10 s=40
